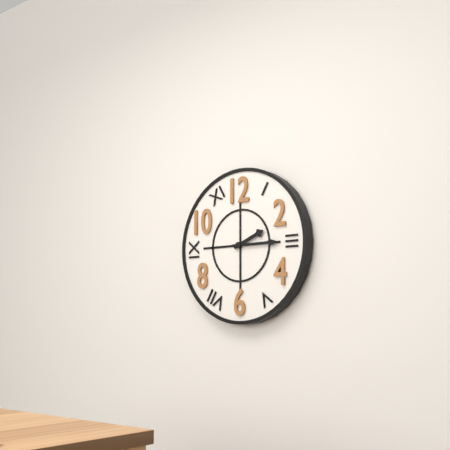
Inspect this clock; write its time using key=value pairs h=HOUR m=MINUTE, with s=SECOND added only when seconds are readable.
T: h=2 m=15
